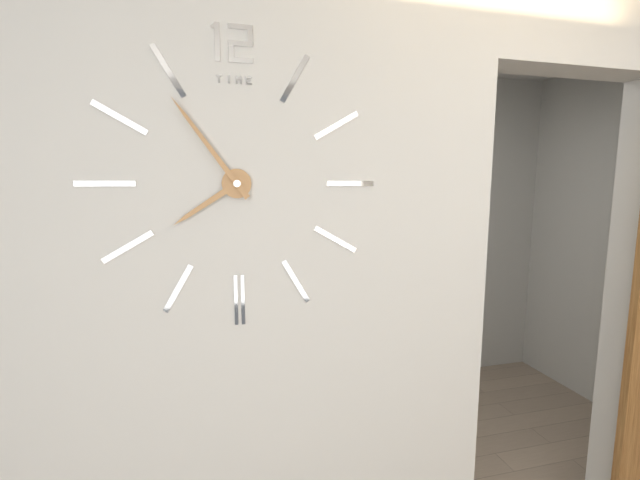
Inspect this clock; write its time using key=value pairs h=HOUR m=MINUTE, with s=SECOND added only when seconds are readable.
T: h=7 m=54
